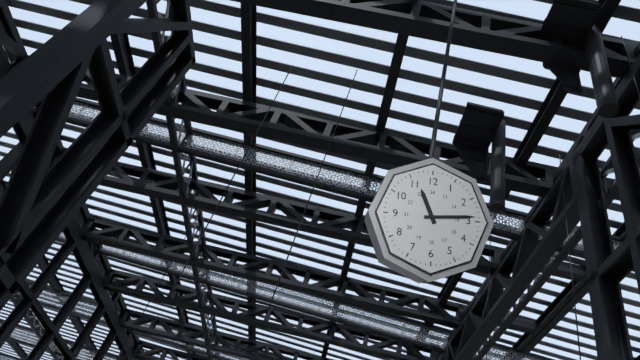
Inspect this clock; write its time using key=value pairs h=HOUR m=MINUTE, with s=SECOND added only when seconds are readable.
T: h=11 m=14
